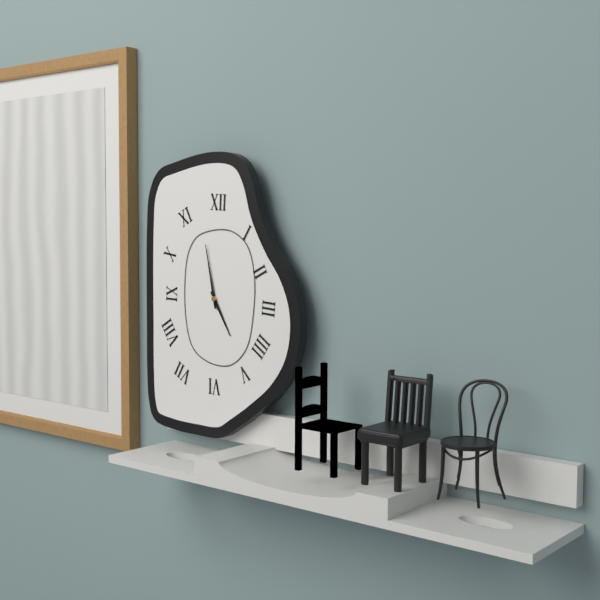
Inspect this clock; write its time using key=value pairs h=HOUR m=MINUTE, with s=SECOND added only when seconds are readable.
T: h=4 m=58
